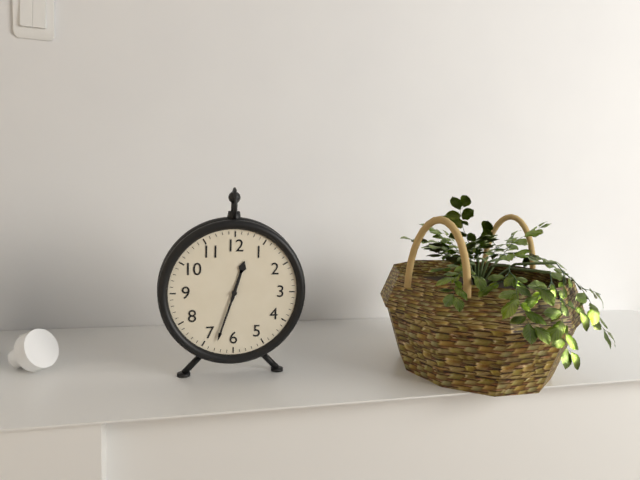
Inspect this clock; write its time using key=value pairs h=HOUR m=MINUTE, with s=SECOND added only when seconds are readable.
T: h=12 m=33
